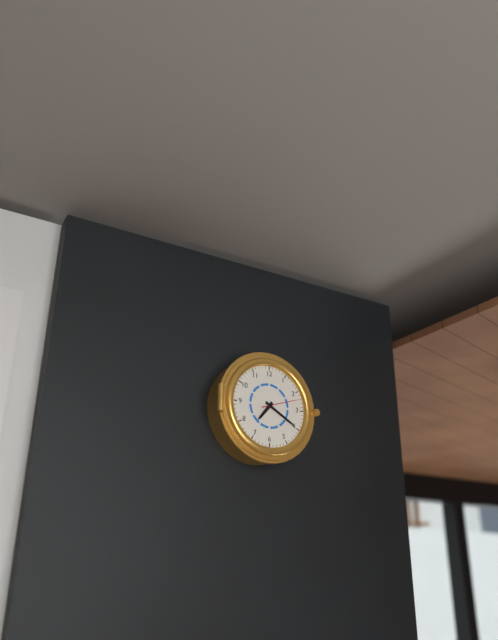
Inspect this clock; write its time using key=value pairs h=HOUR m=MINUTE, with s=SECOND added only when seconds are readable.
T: h=7 m=20
